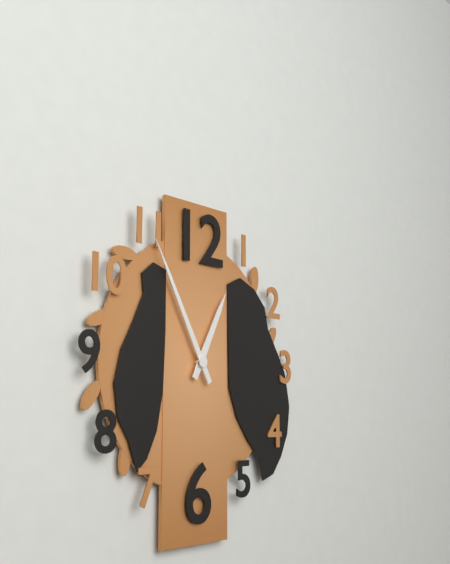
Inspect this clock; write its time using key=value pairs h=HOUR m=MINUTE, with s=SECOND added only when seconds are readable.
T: h=12 m=55
